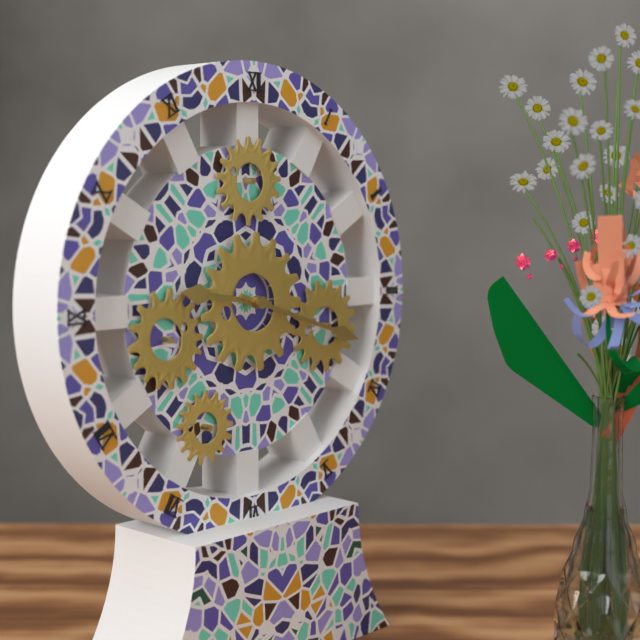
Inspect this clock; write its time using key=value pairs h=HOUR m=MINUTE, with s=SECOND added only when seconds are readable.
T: h=9 m=18
